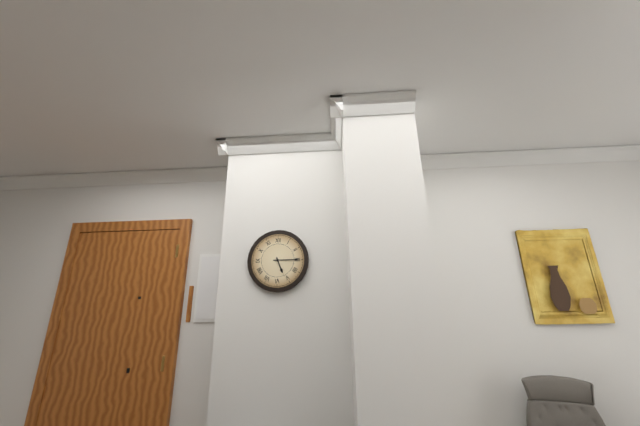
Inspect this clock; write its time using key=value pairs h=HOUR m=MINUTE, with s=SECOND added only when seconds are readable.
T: h=5 m=15
